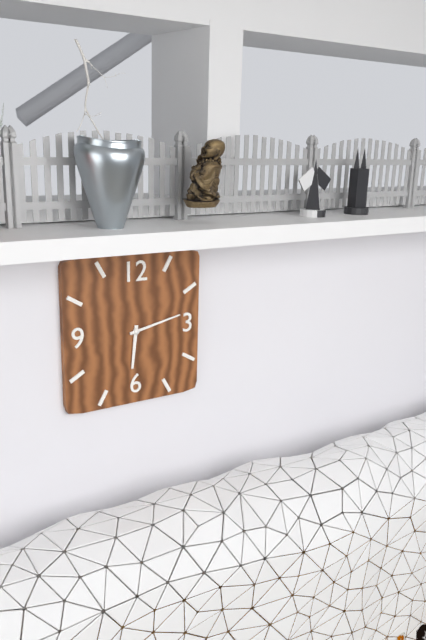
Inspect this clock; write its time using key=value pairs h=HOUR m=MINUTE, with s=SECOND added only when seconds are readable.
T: h=6 m=13
